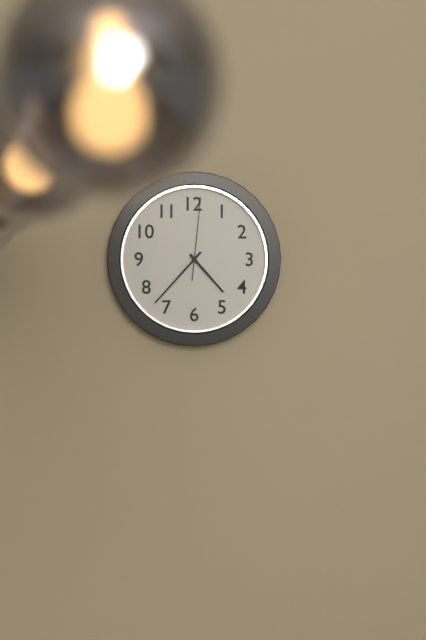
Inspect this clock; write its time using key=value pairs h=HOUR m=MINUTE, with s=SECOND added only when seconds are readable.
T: h=4 m=37 s=1
